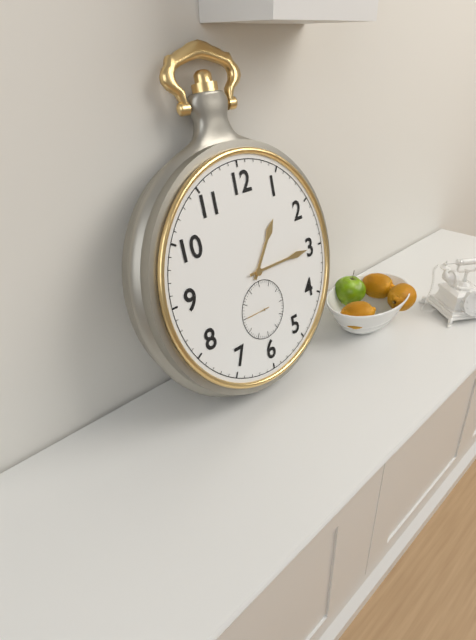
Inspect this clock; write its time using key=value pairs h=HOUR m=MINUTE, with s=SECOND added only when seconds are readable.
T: h=1 m=15
